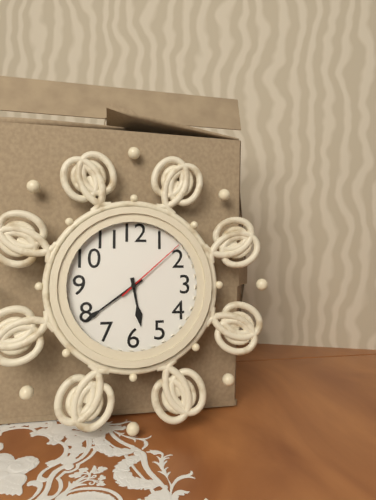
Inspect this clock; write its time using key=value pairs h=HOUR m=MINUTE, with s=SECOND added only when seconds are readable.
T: h=5 m=39 s=8
